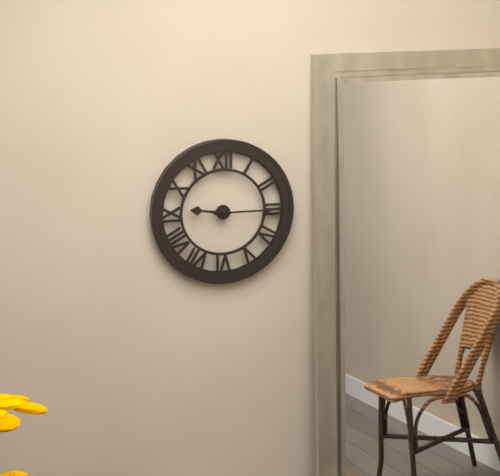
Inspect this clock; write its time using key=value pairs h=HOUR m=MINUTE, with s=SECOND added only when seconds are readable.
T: h=9 m=15
